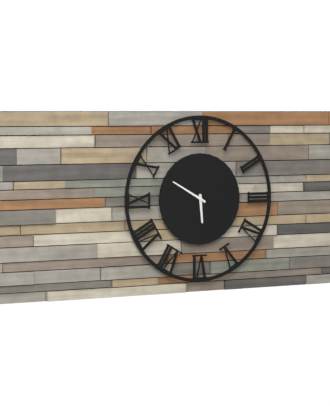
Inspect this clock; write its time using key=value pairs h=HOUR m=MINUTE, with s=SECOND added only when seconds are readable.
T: h=5 m=50
